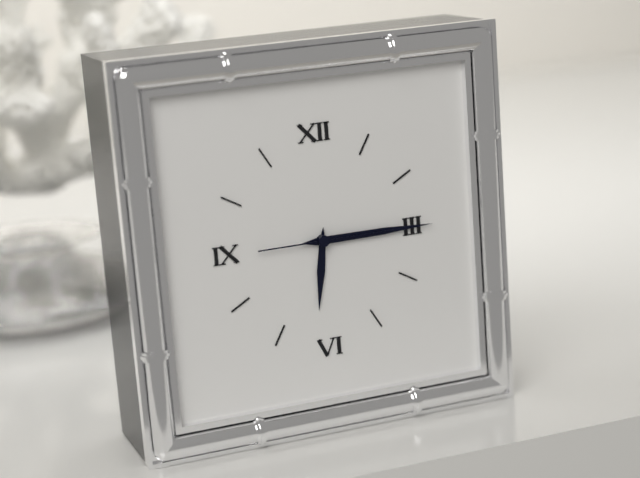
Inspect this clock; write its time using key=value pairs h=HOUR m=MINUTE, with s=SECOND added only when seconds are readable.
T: h=6 m=15 s=15
